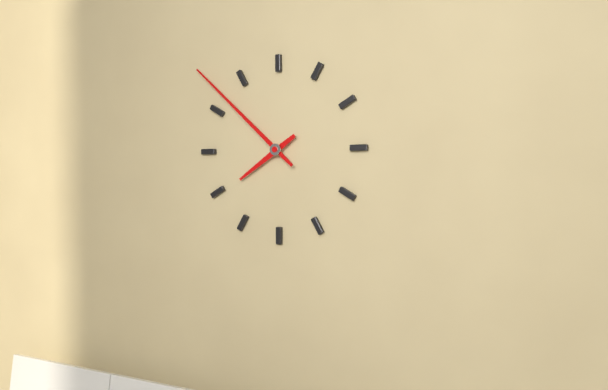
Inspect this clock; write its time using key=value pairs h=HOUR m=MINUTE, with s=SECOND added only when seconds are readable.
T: h=7 m=52
